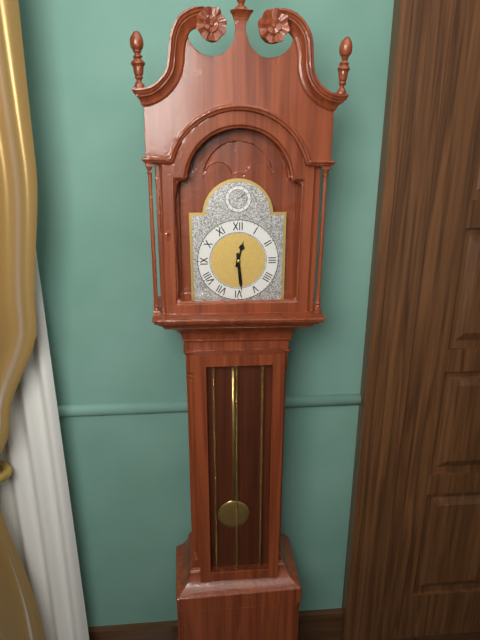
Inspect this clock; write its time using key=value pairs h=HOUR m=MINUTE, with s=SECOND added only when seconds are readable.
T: h=12 m=29
